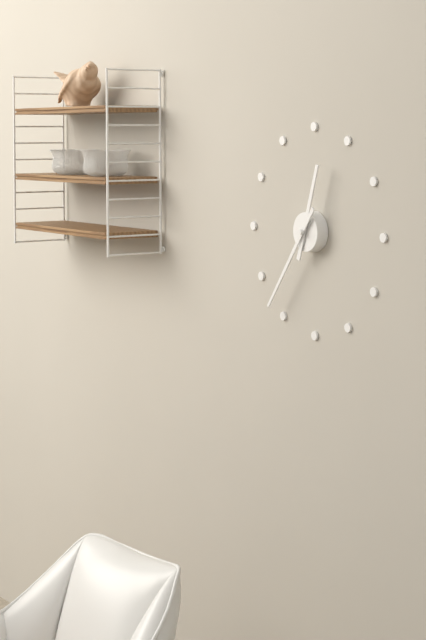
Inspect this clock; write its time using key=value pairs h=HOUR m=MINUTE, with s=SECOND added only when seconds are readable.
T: h=12 m=36
